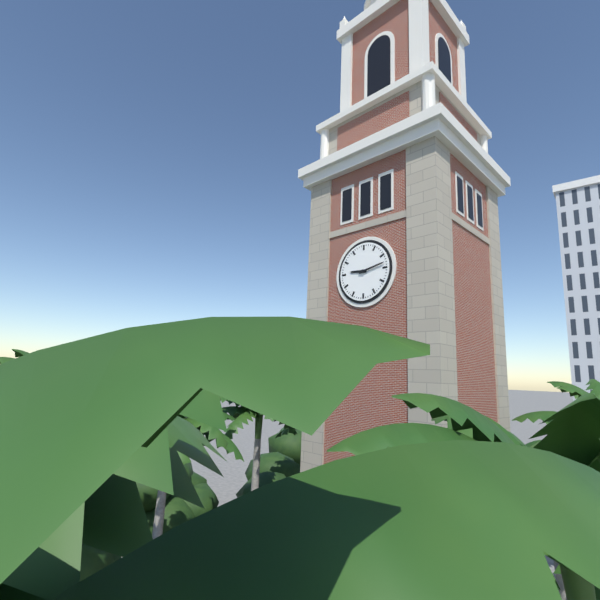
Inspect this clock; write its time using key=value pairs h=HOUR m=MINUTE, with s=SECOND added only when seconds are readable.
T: h=9 m=13
